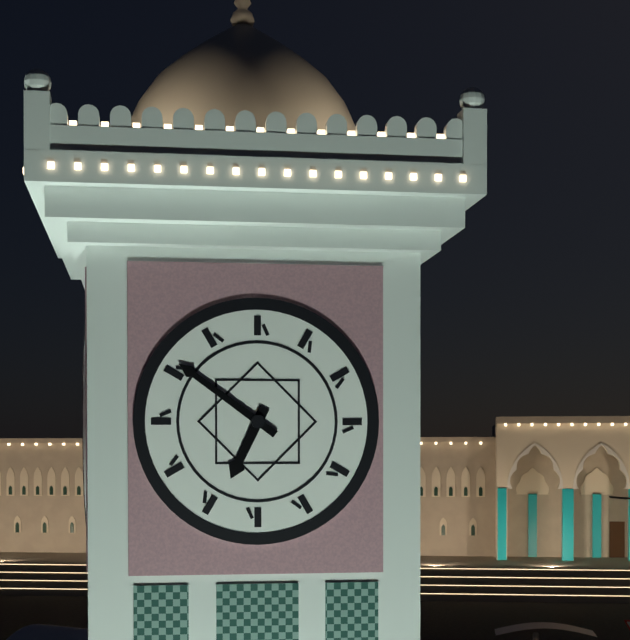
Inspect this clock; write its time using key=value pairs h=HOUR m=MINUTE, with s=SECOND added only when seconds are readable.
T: h=6 m=51
